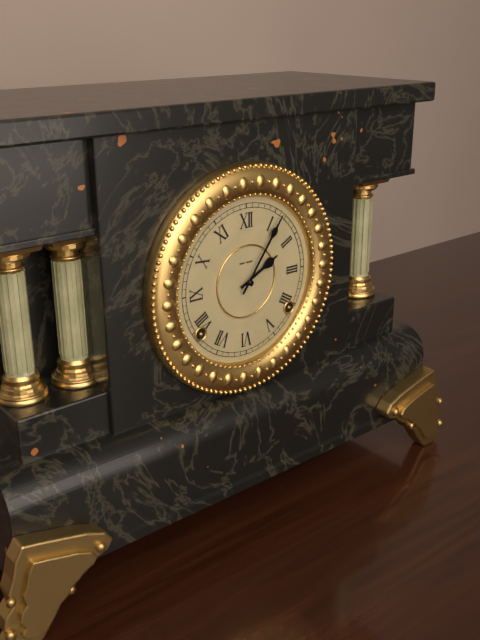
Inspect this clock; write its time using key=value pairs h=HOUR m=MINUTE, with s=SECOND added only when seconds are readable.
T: h=2 m=6
